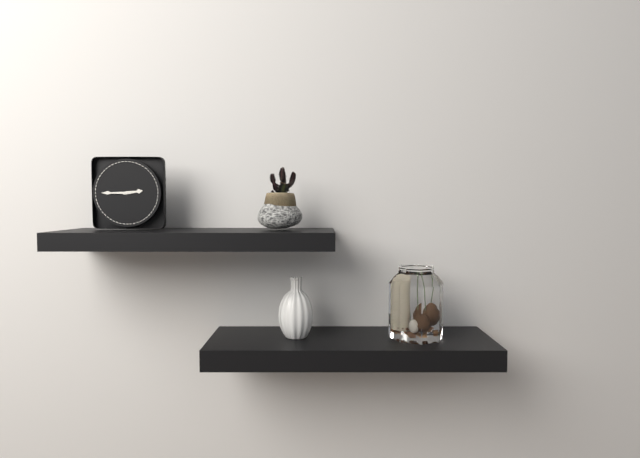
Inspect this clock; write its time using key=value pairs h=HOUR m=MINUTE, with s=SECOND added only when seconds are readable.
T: h=2 m=45
